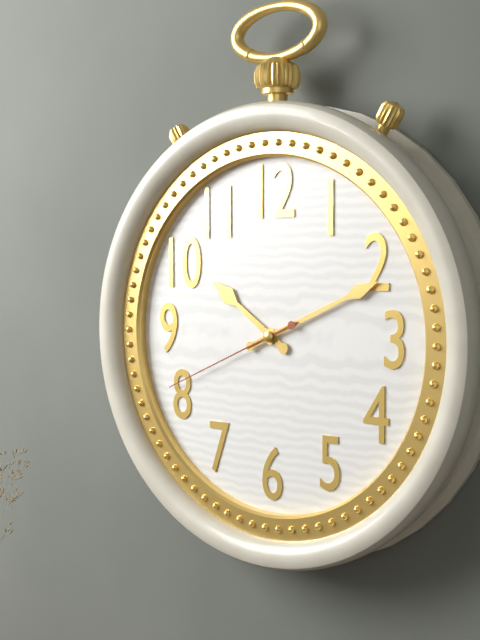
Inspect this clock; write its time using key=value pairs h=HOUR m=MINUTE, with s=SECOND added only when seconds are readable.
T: h=10 m=11 s=41
